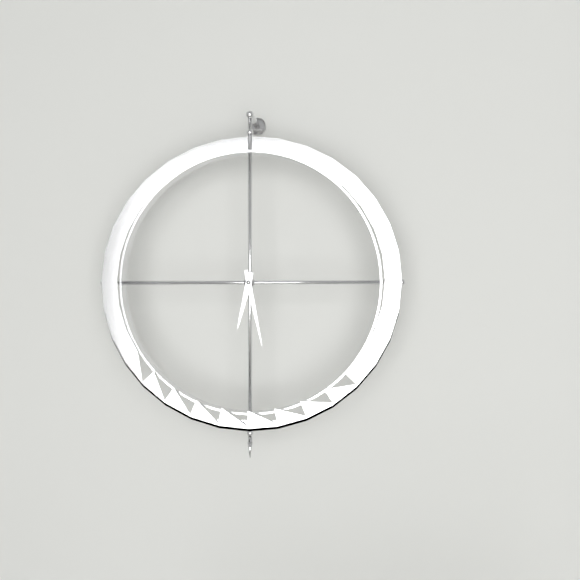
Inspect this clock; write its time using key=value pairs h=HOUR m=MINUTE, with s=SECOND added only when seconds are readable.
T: h=6 m=28
